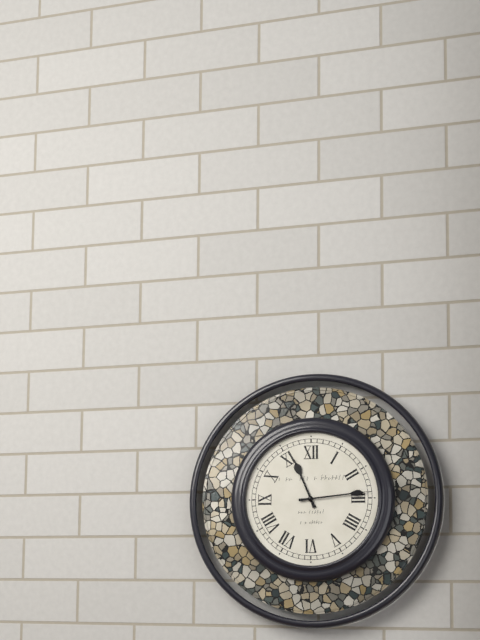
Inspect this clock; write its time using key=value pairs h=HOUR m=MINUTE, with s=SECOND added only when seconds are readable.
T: h=11 m=14
